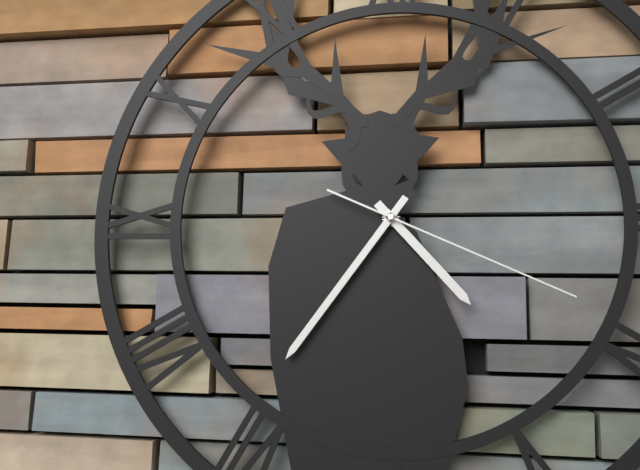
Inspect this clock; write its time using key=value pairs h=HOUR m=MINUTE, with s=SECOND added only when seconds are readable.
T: h=4 m=36 s=19
